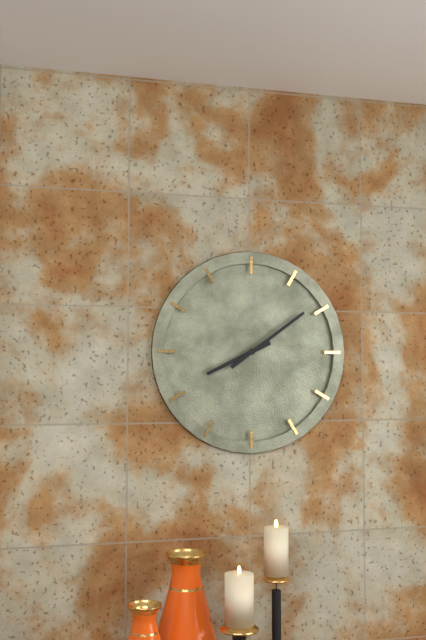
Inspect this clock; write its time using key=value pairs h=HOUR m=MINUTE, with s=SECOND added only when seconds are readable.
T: h=8 m=9
